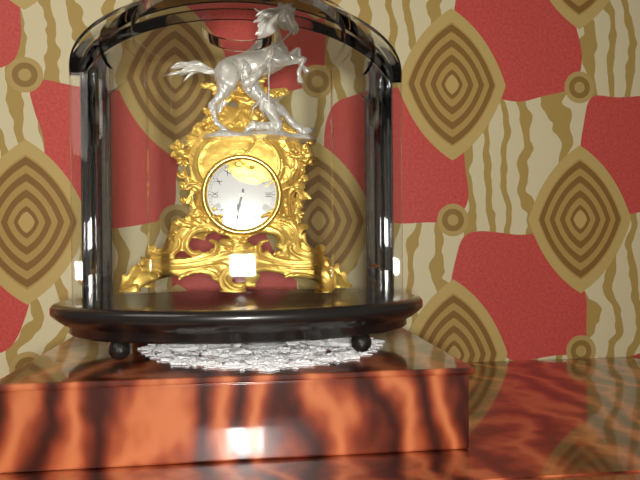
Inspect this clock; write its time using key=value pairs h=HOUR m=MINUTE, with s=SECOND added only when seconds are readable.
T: h=6 m=32
